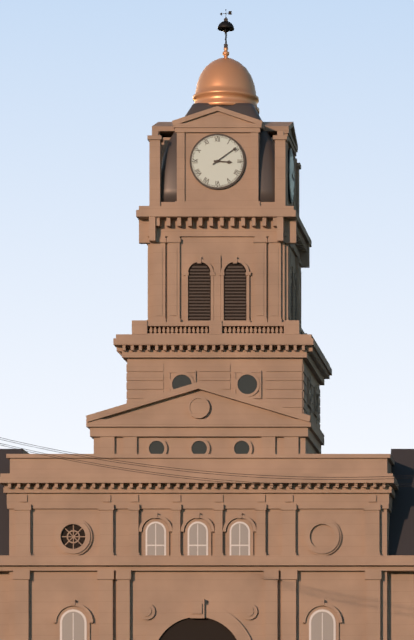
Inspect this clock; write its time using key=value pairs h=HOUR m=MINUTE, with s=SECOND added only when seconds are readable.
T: h=3 m=9
